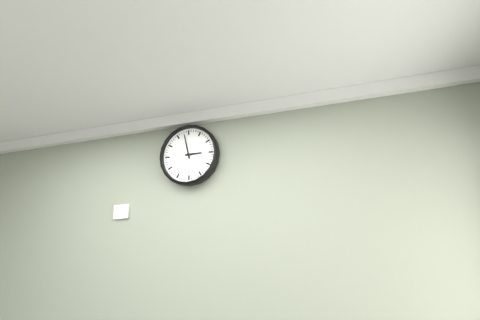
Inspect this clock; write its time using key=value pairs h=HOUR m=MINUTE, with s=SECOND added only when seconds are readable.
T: h=2 m=58
